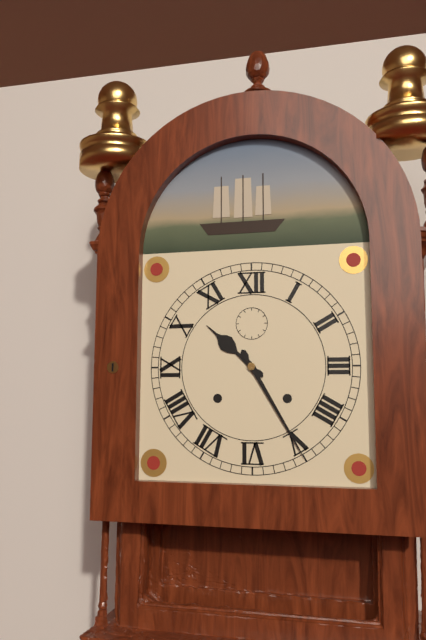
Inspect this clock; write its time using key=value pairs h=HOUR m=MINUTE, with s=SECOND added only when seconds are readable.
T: h=10 m=25
